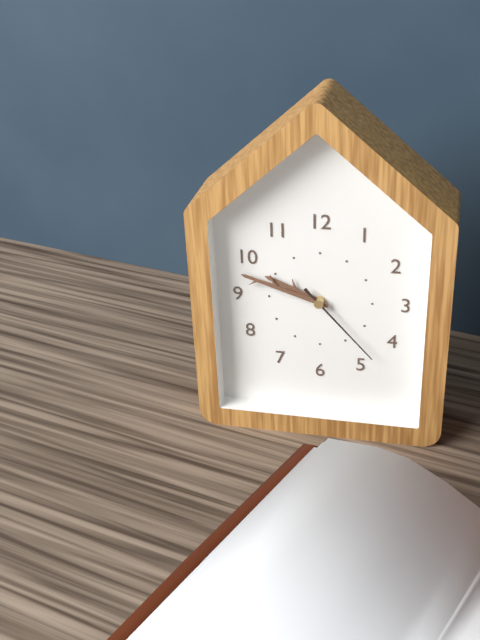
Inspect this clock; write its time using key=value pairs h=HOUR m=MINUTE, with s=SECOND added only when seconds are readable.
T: h=9 m=48 s=23
